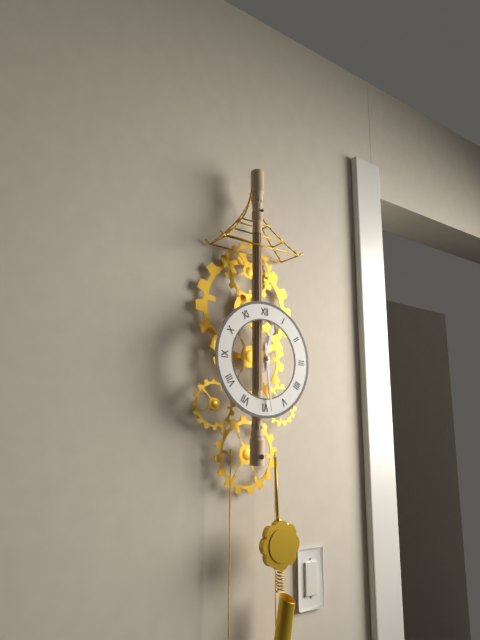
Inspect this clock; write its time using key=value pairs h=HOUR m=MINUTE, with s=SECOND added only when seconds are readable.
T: h=12 m=29
